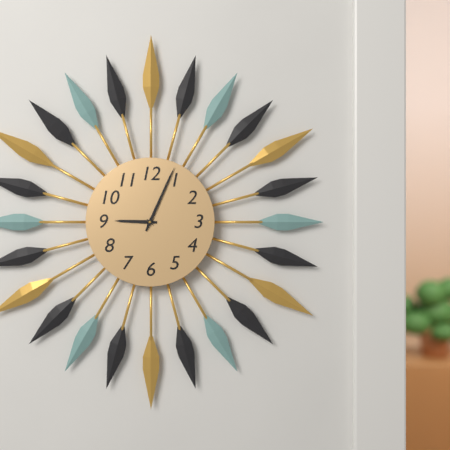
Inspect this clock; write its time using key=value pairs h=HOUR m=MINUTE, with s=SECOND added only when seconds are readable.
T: h=9 m=4
